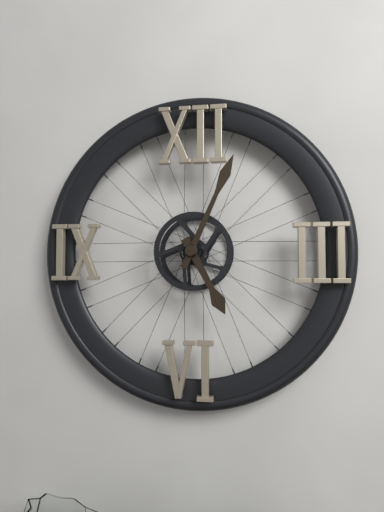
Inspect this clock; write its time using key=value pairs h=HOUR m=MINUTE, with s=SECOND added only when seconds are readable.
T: h=5 m=4
